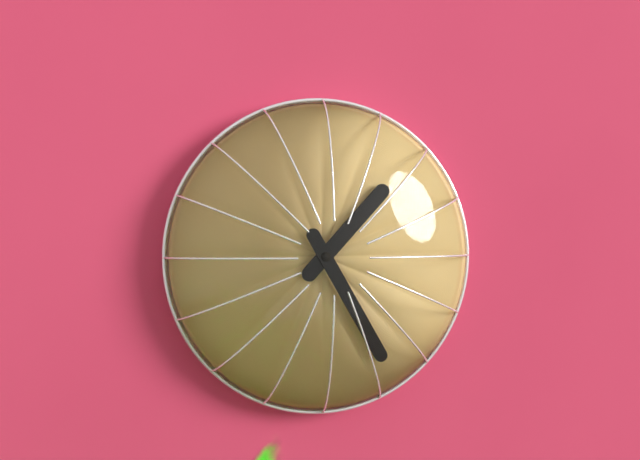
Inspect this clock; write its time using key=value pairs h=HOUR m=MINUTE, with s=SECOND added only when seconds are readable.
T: h=1 m=25
